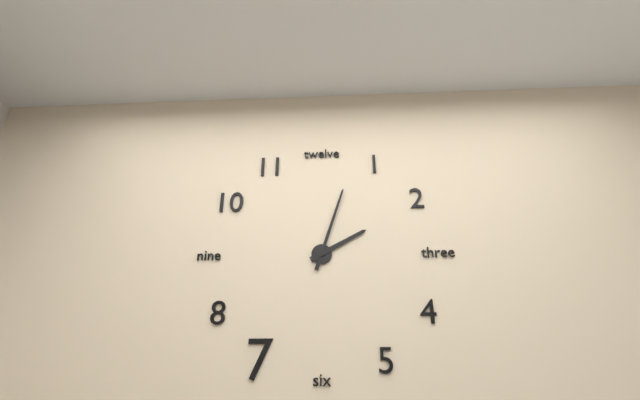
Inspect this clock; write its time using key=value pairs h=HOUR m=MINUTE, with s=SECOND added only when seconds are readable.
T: h=2 m=3
